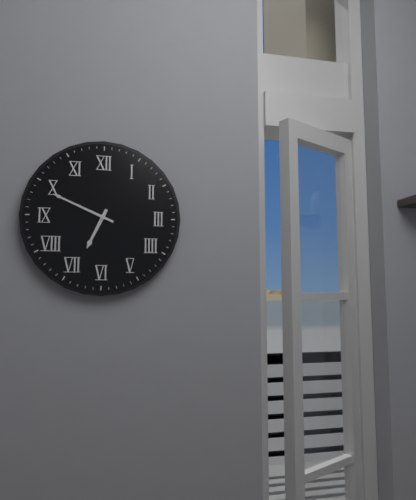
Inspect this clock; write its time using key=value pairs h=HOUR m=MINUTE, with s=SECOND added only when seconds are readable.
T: h=6 m=49
